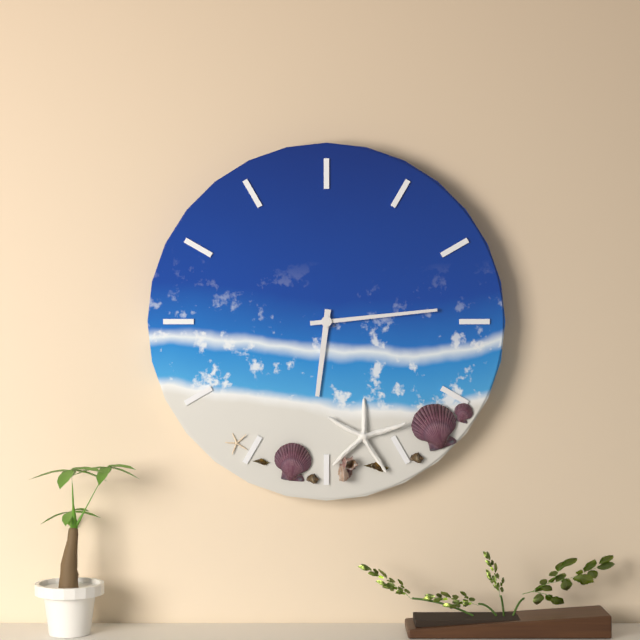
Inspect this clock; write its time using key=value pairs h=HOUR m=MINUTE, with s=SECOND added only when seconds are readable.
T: h=6 m=14
